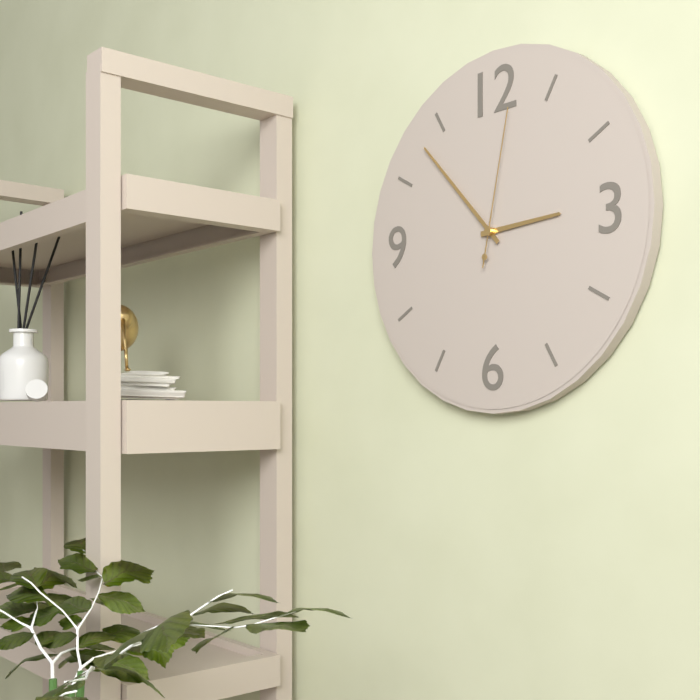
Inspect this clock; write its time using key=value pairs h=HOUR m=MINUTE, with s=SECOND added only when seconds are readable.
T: h=2 m=53 s=2
